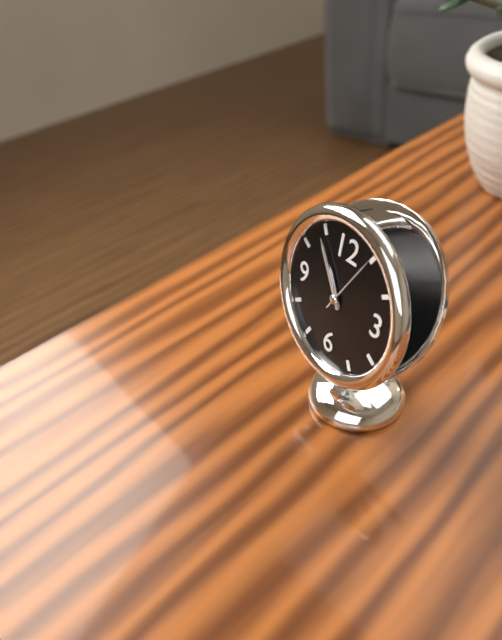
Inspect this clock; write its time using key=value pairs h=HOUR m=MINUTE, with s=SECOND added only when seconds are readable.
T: h=10 m=54 s=5
